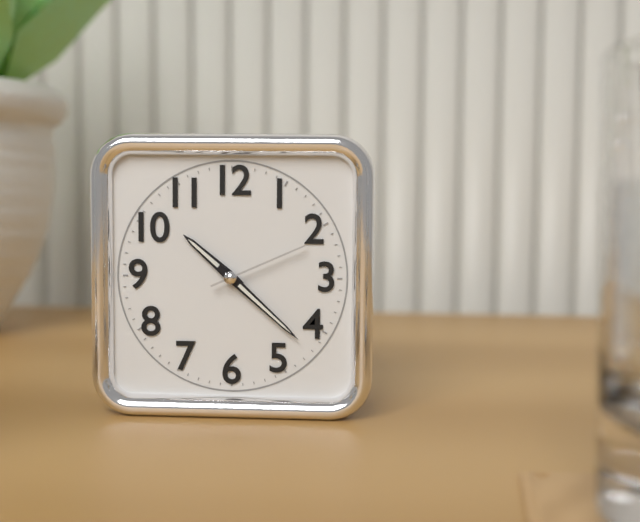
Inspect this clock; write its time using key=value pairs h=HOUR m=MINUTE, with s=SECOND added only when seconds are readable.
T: h=10 m=22 s=11
